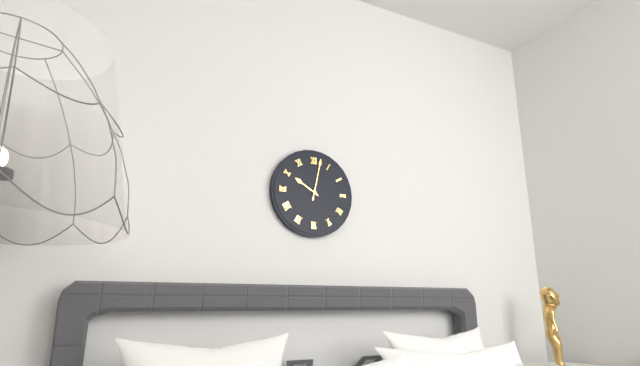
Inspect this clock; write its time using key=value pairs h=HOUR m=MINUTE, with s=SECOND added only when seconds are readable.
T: h=10 m=2
